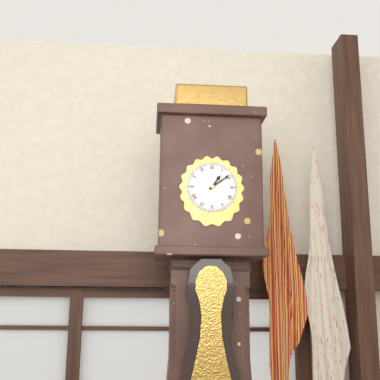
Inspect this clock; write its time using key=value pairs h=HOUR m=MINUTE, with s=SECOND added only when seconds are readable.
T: h=1 m=9
